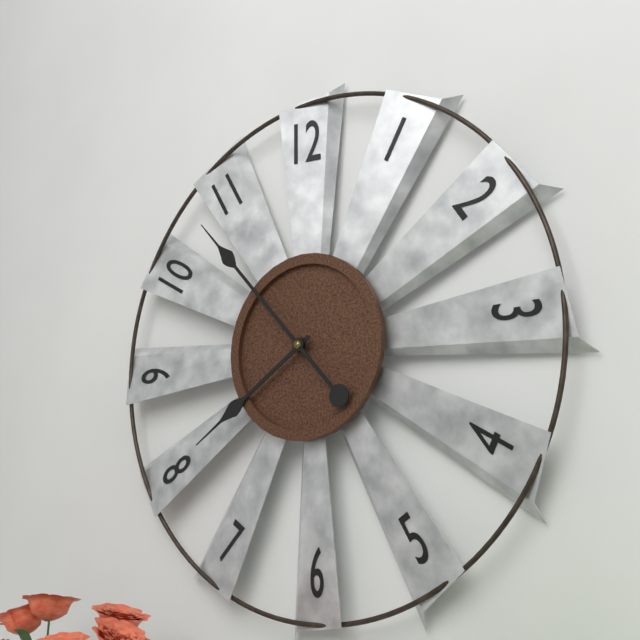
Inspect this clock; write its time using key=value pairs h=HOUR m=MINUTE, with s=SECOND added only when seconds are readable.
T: h=7 m=53
